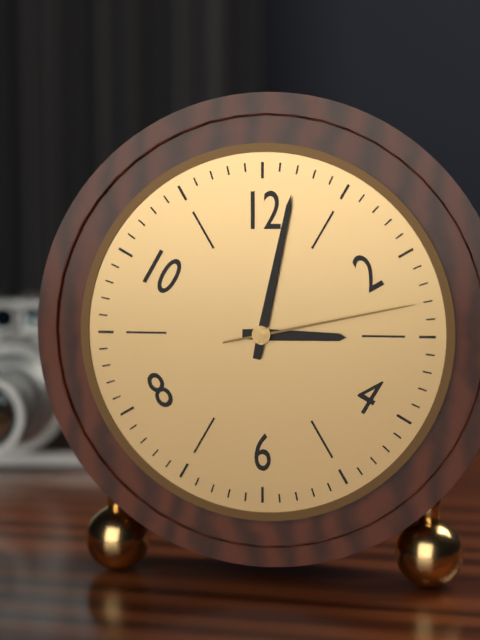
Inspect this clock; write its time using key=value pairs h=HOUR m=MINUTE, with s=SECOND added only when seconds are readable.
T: h=3 m=2 s=13
